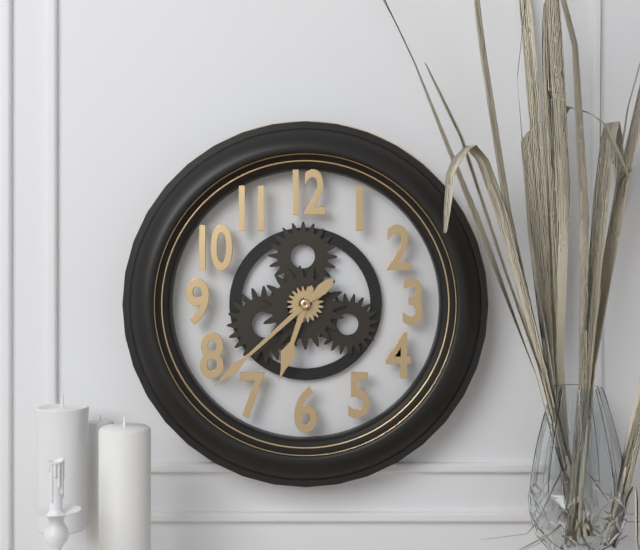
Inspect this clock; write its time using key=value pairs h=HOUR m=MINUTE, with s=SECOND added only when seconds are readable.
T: h=6 m=38
